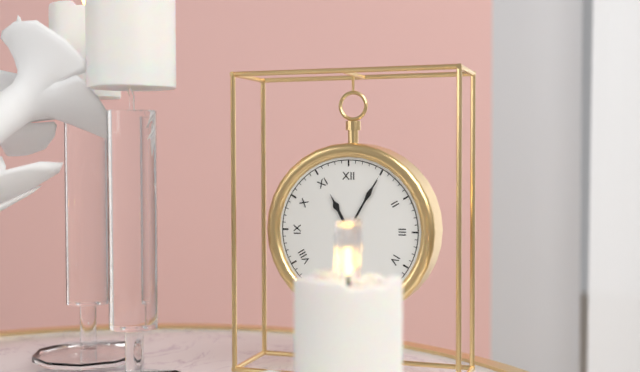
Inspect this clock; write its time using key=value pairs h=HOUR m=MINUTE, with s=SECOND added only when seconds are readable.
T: h=11 m=5
